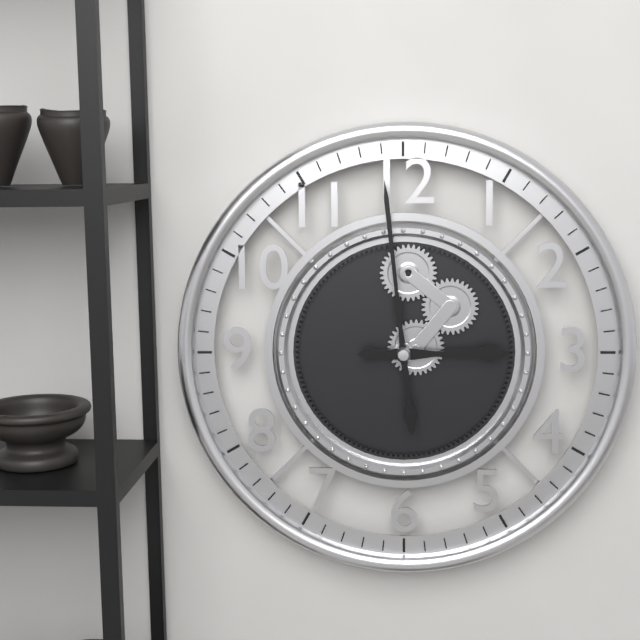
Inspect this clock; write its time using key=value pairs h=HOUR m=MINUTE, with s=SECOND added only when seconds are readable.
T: h=2 m=59
